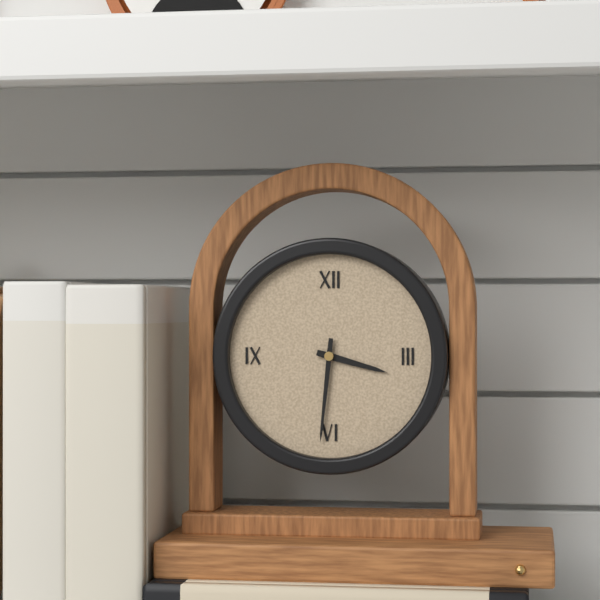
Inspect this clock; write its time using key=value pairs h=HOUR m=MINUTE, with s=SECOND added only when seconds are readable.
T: h=3 m=31
